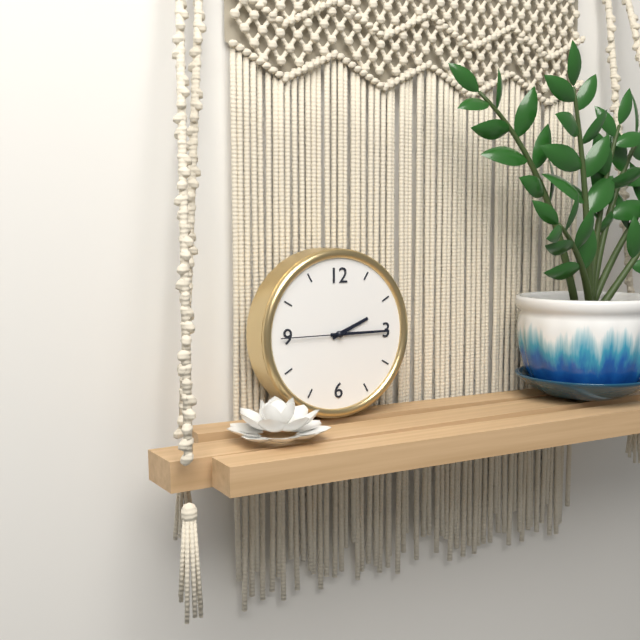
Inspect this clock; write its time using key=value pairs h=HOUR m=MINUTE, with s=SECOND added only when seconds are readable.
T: h=2 m=15 s=45
